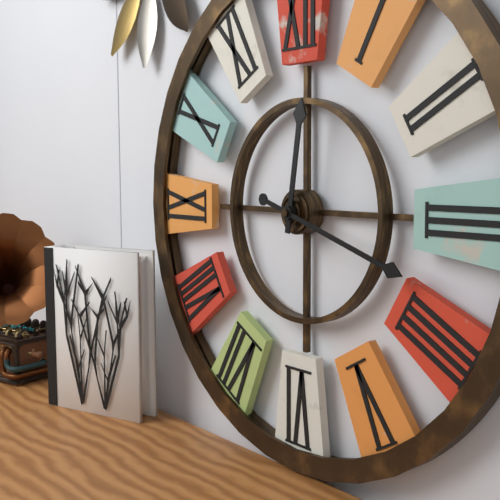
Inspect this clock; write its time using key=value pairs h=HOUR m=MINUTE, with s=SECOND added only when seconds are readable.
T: h=12 m=18
